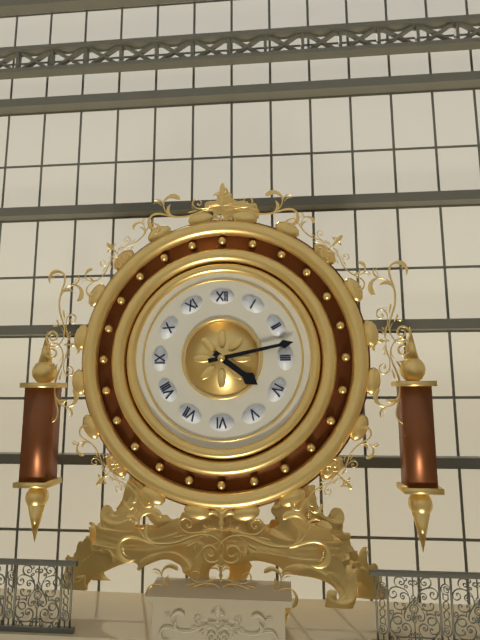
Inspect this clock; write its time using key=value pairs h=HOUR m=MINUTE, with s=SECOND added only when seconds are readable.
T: h=4 m=13
